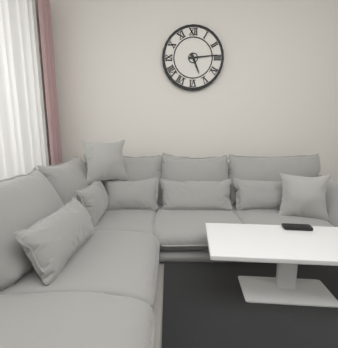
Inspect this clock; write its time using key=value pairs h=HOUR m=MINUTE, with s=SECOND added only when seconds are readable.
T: h=5 m=14
